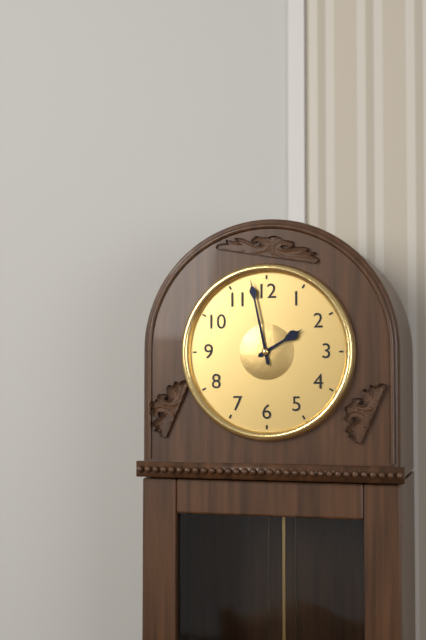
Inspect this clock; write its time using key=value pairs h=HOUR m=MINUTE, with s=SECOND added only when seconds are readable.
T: h=1 m=58
